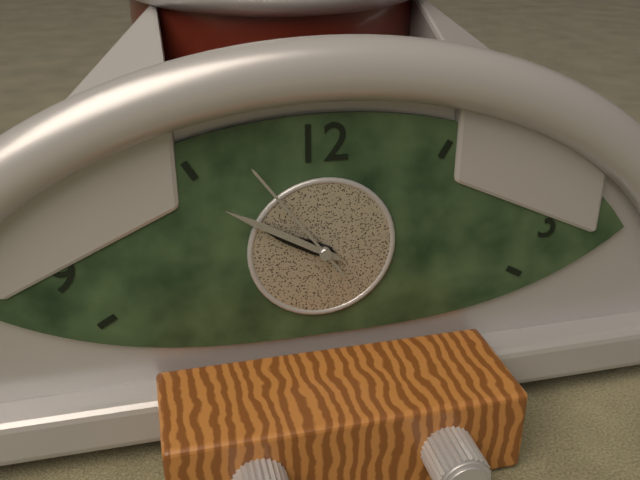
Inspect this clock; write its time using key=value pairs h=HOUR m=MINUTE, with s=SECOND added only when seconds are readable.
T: h=9 m=50 s=54
